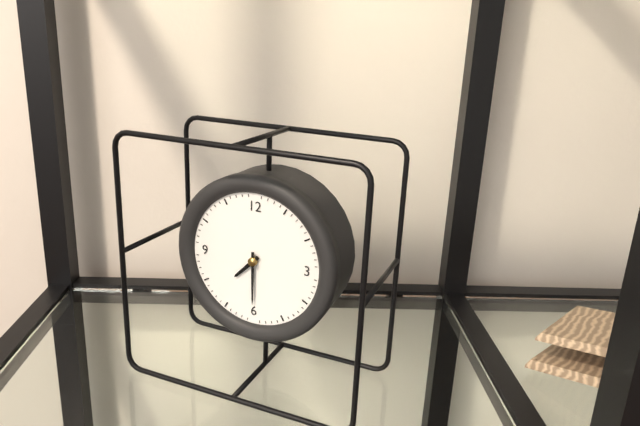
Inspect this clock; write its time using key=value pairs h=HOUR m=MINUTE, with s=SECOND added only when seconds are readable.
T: h=7 m=30
